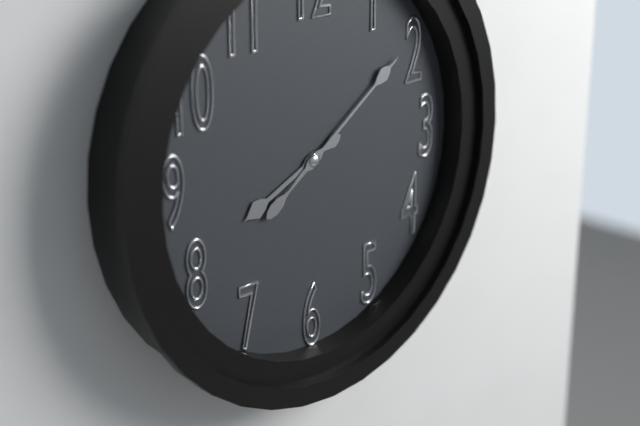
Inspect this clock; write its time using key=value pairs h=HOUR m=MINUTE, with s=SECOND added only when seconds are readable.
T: h=8 m=9
